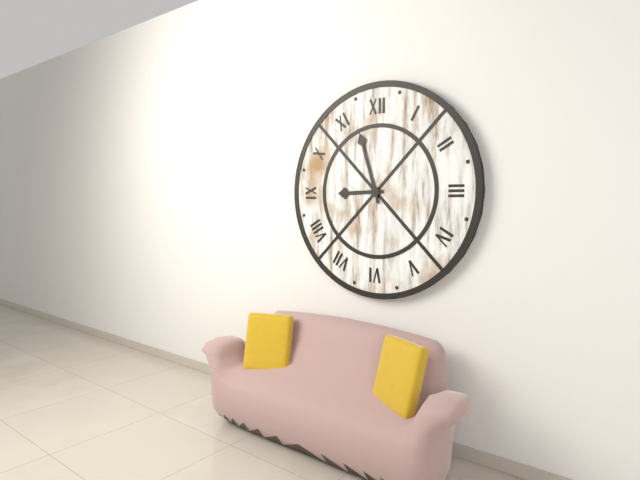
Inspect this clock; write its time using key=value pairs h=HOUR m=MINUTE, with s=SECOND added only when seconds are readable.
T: h=8 m=57
